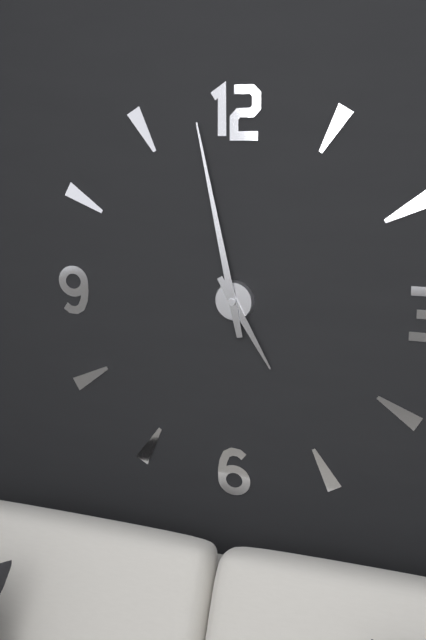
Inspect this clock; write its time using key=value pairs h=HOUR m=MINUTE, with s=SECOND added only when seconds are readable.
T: h=4 m=58
